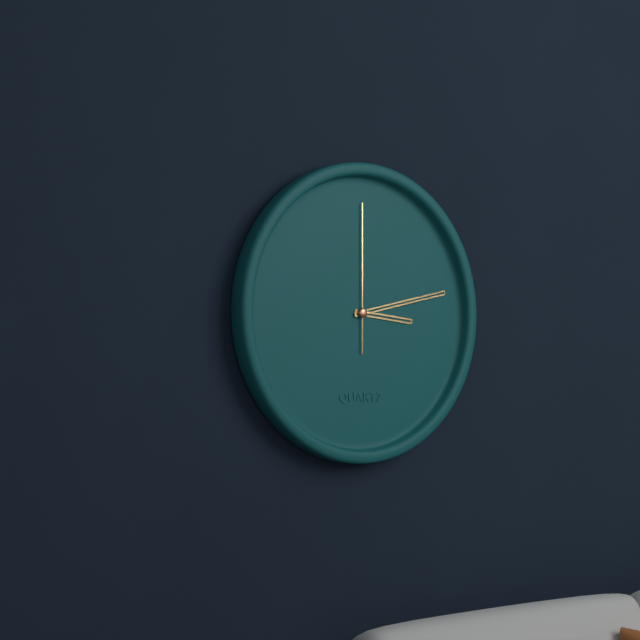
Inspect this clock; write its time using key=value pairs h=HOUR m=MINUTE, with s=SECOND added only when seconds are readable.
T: h=3 m=13 s=0
